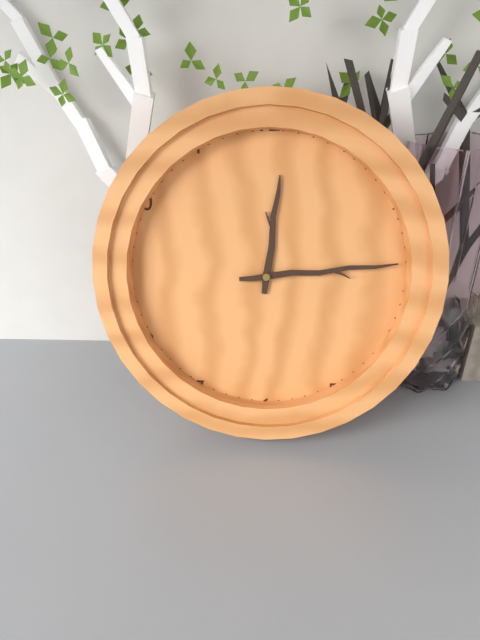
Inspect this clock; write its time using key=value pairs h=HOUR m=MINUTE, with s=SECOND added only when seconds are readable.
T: h=12 m=14
